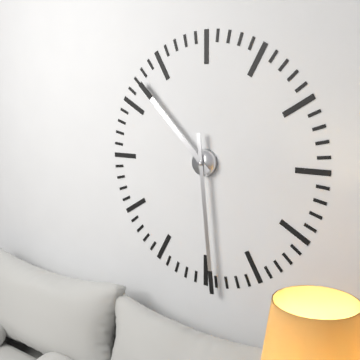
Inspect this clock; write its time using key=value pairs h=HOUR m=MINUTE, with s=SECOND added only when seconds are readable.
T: h=10 m=29
